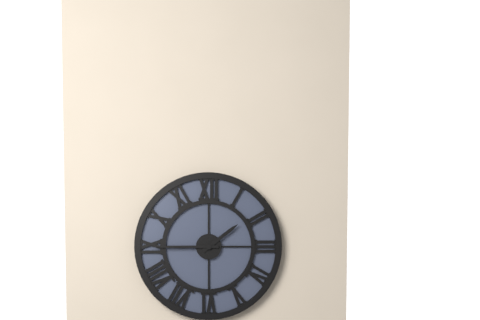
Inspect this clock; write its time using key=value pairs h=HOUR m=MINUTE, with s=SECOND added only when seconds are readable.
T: h=1 m=45
